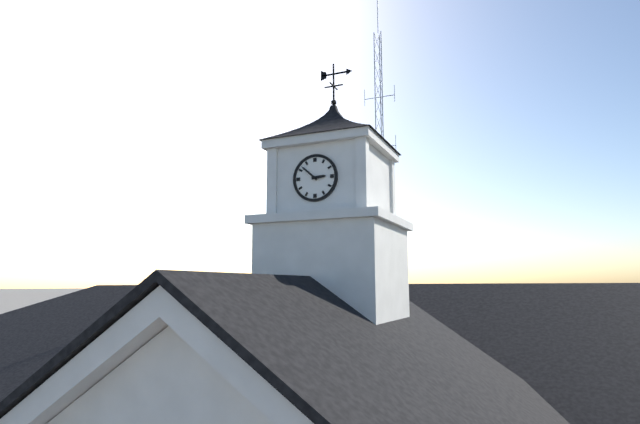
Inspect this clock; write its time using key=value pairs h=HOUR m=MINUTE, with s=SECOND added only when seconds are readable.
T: h=2 m=52
